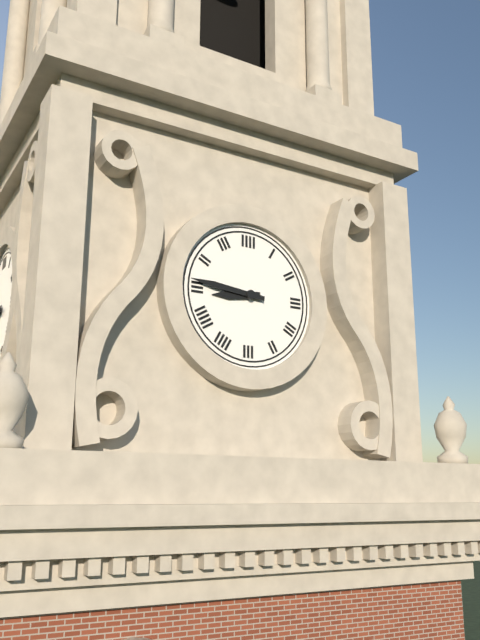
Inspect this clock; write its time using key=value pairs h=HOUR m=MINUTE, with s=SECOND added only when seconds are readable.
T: h=8 m=46
